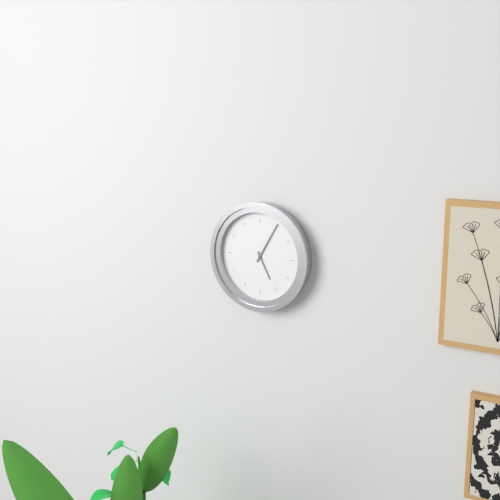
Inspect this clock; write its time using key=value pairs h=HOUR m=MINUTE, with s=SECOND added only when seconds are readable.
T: h=5 m=5
